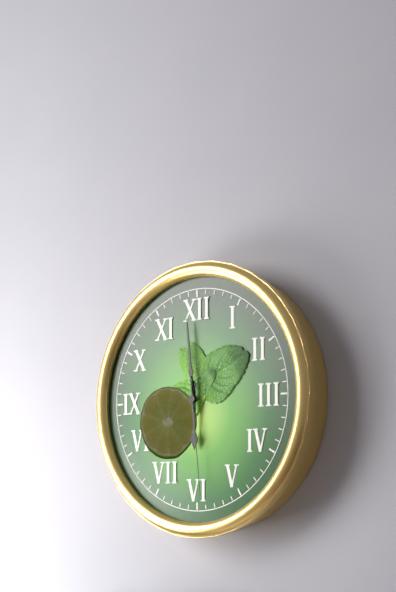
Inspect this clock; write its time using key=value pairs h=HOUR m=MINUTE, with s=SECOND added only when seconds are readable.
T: h=5 m=59 s=29
